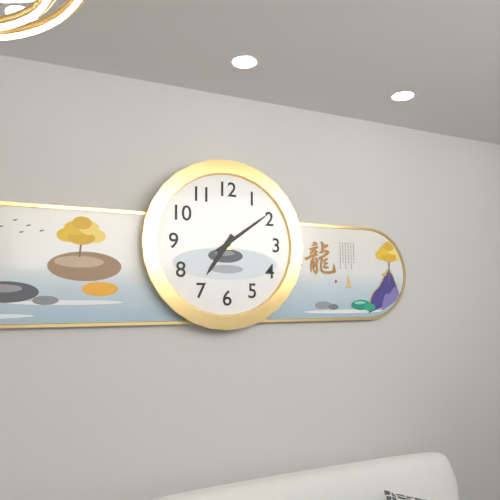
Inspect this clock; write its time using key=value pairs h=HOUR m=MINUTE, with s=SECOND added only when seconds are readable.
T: h=7 m=9
